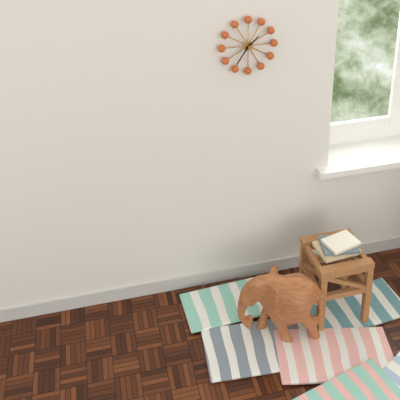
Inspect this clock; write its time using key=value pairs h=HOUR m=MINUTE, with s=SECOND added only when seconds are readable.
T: h=1 m=36
